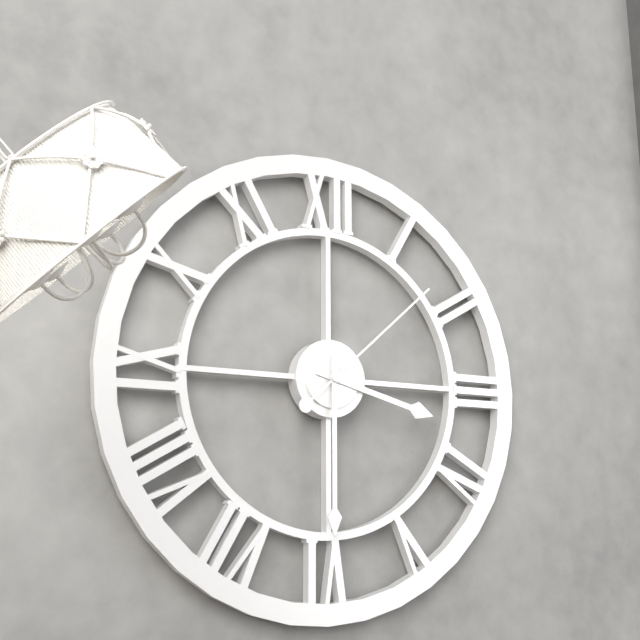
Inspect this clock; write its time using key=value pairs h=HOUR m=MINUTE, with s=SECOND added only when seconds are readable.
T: h=3 m=30 s=8
